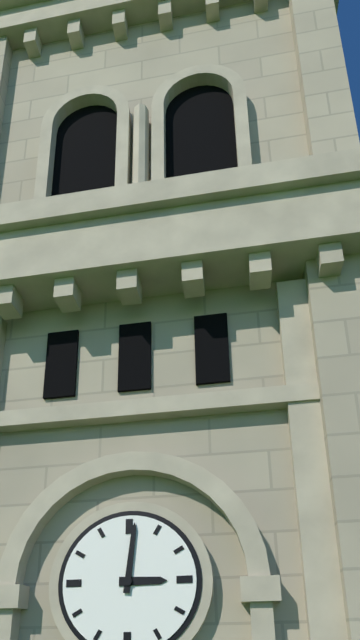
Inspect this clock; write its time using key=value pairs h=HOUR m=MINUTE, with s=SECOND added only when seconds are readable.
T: h=3 m=1
